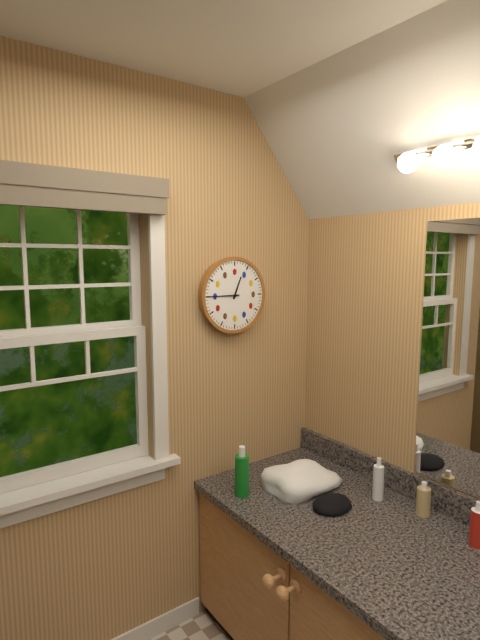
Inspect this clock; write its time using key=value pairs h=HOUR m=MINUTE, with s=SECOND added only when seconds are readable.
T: h=12 m=45
